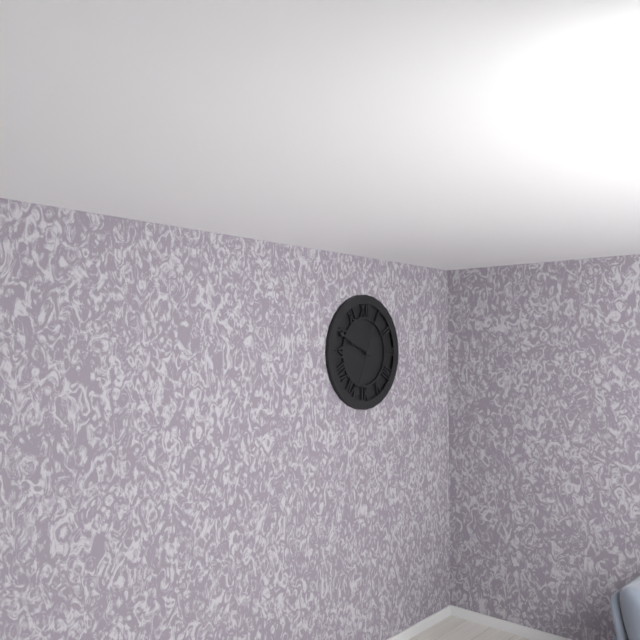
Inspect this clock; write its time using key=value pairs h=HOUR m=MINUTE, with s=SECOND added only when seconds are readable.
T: h=9 m=49 s=34
